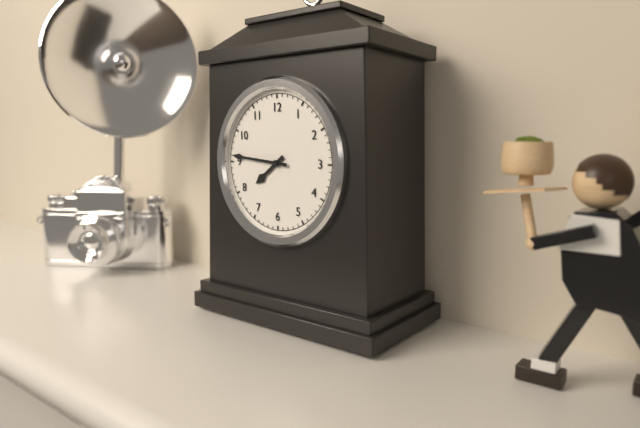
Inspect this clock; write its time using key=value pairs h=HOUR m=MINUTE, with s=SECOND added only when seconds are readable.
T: h=7 m=46
